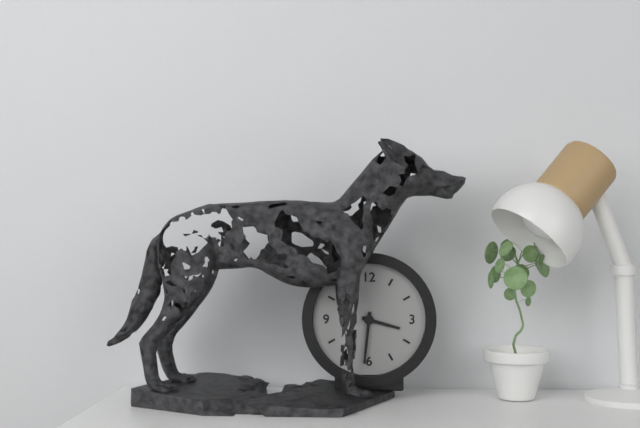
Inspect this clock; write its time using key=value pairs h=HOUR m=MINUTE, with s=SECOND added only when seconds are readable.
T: h=3 m=31
